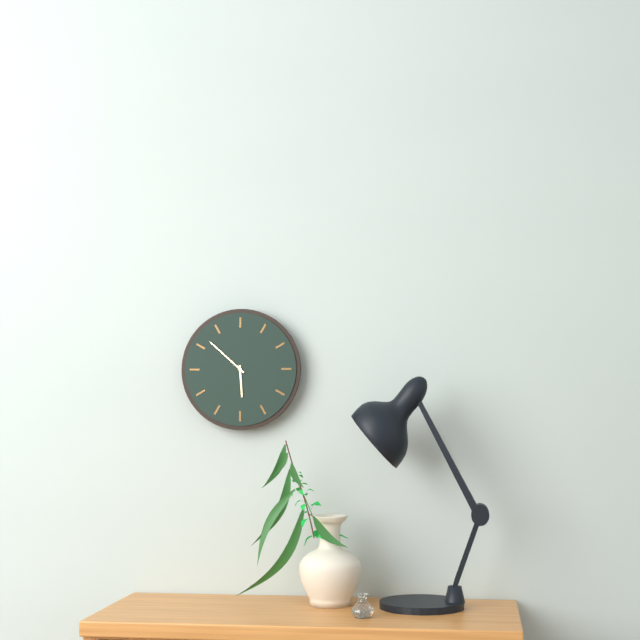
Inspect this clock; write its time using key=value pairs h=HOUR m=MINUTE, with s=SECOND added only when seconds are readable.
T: h=5 m=52
